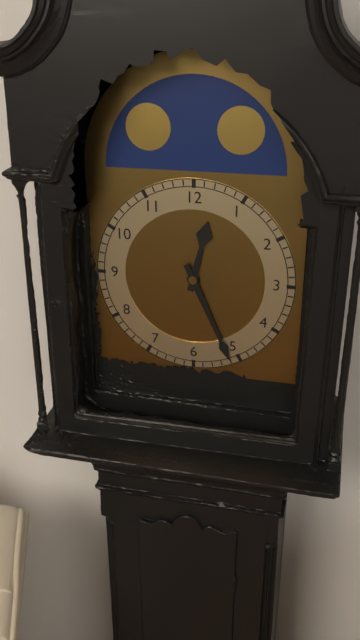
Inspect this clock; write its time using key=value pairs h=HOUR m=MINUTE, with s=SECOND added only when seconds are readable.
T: h=12 m=26
